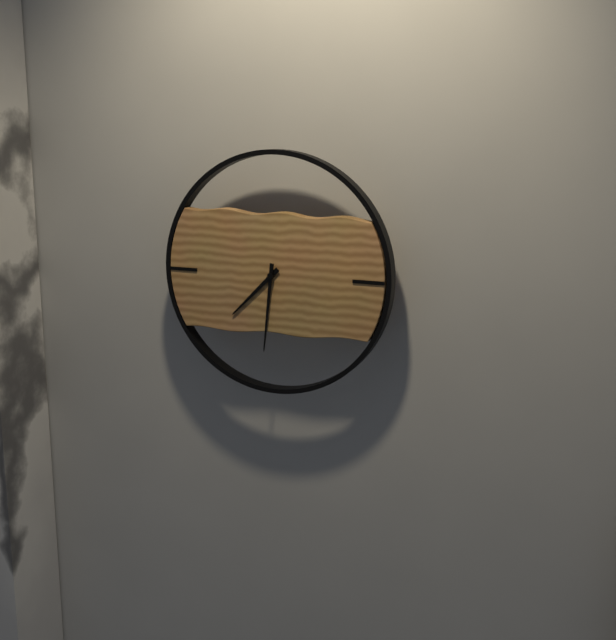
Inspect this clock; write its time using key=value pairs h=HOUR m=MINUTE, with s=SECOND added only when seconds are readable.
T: h=7 m=31
